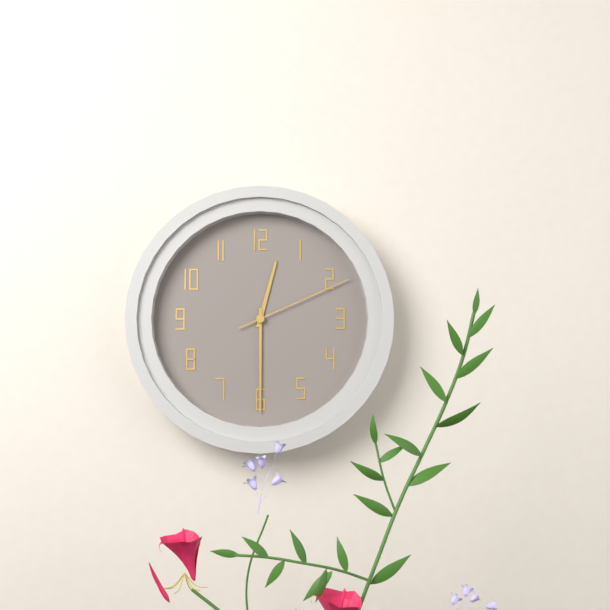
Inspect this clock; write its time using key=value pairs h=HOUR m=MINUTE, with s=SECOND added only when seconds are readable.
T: h=12 m=30 s=11
